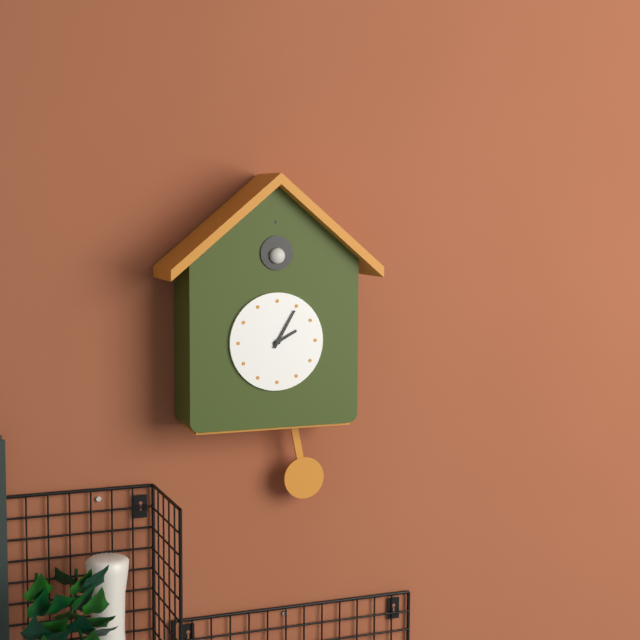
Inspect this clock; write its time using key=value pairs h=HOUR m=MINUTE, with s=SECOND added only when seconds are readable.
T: h=2 m=5
